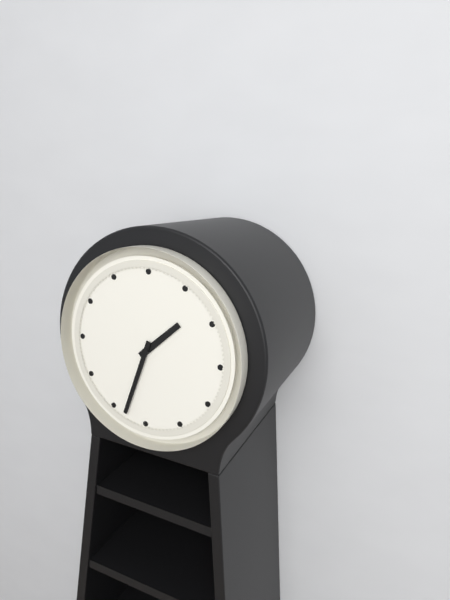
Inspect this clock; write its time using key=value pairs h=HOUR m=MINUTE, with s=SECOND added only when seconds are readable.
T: h=1 m=33
